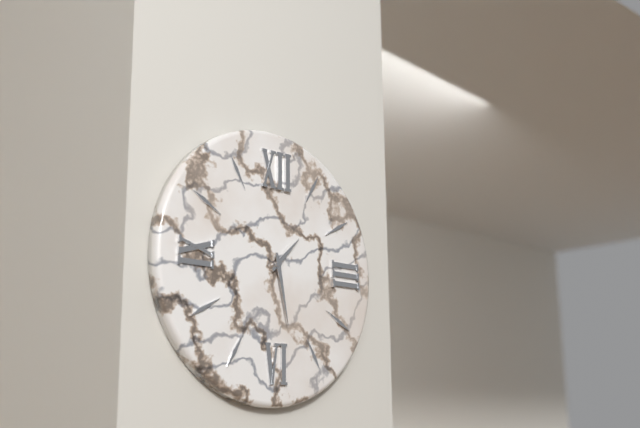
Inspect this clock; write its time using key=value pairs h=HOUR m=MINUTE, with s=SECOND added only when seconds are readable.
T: h=1 m=28
